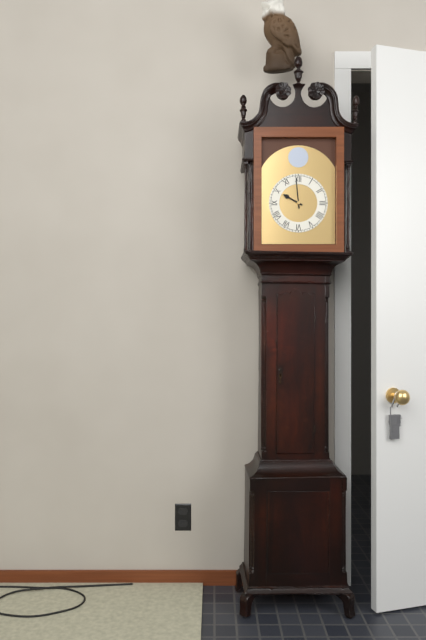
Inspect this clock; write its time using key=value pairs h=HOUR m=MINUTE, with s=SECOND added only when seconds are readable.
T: h=9 m=59
